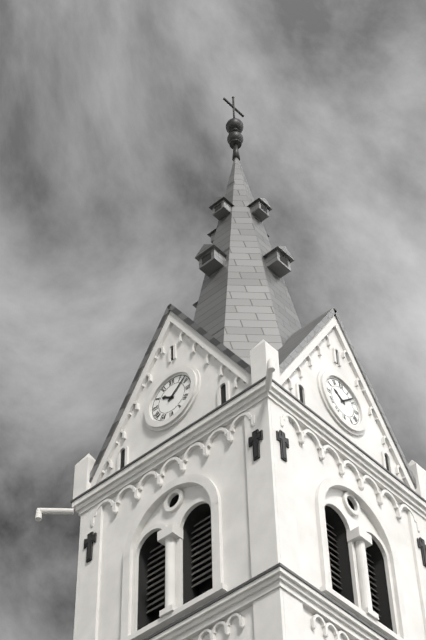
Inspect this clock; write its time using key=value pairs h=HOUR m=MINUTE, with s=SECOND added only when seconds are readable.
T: h=10 m=8
